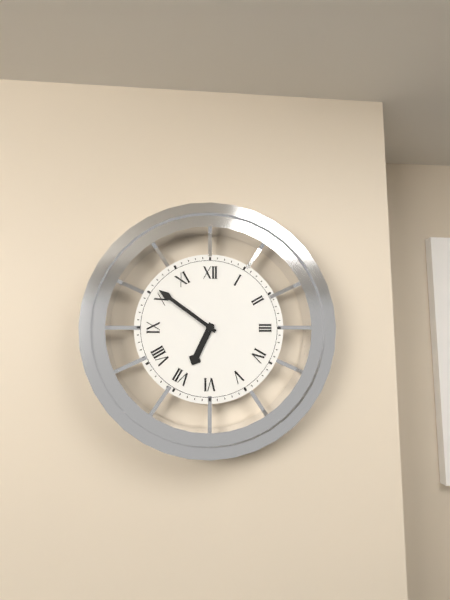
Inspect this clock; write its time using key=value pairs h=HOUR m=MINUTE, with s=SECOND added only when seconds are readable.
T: h=6 m=51
